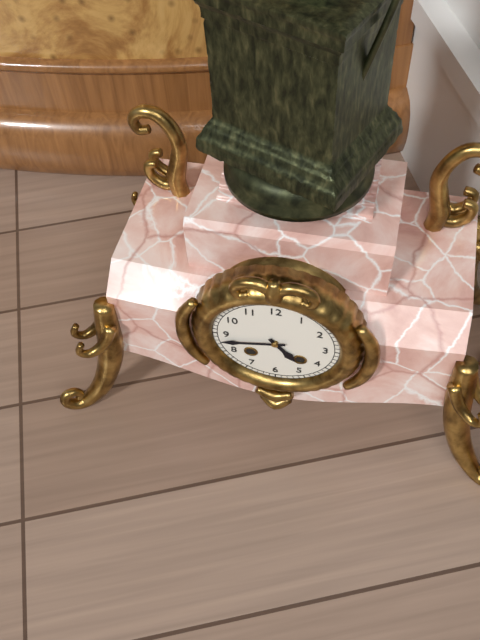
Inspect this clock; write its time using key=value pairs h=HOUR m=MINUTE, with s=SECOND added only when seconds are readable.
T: h=4 m=43
